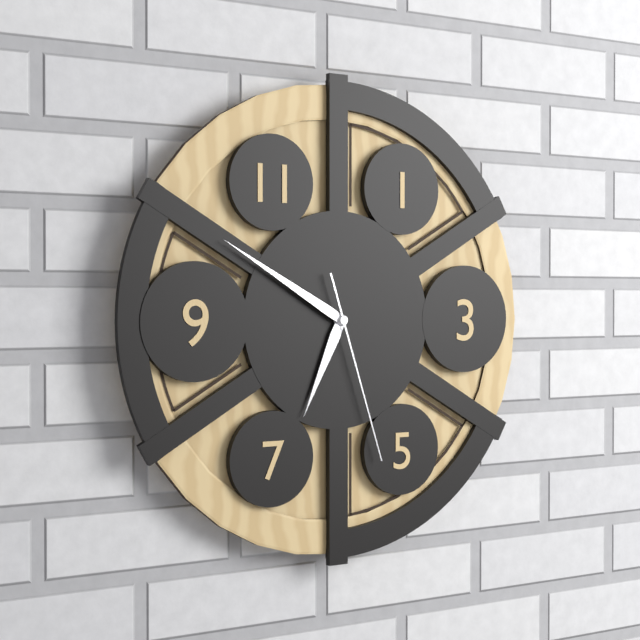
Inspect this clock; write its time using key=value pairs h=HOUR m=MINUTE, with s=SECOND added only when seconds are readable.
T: h=6 m=50 s=27
